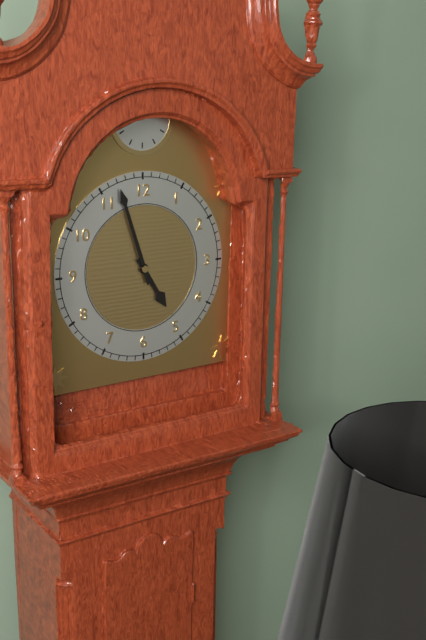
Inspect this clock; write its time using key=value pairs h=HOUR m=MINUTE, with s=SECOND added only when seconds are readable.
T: h=4 m=57
